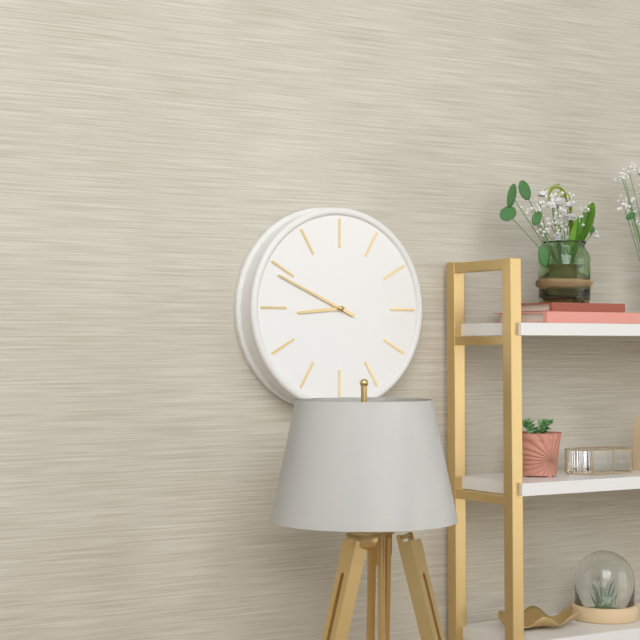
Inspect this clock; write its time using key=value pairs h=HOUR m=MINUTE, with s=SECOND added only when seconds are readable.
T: h=8 m=49
